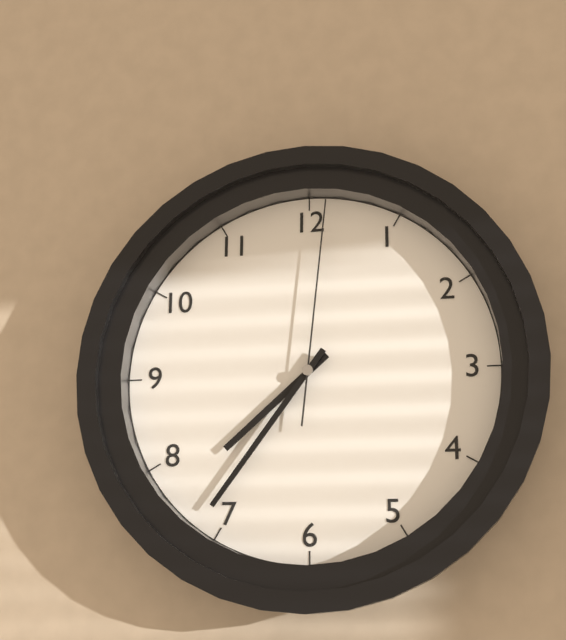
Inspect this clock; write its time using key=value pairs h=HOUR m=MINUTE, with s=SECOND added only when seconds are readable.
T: h=7 m=36 s=1
